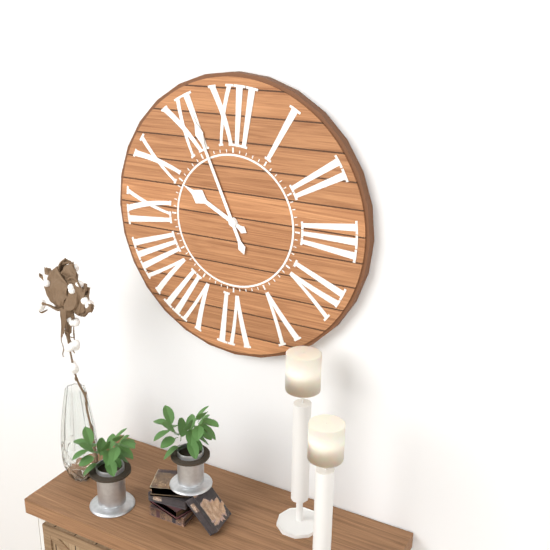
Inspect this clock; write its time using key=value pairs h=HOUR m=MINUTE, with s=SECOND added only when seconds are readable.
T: h=9 m=56
